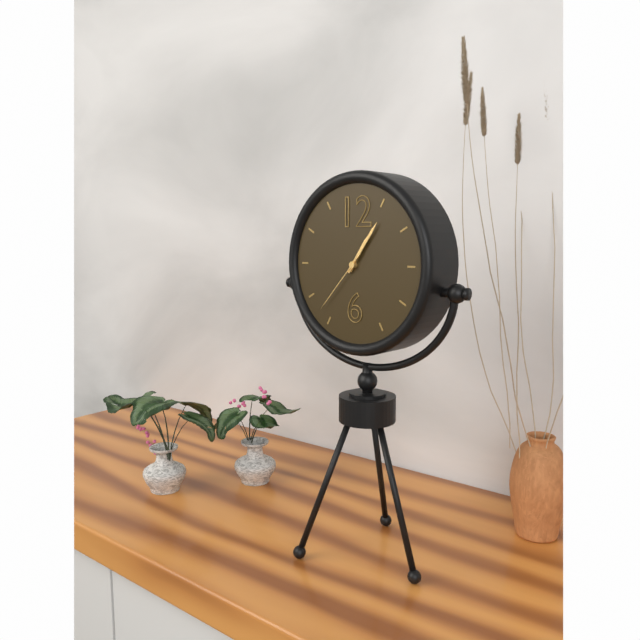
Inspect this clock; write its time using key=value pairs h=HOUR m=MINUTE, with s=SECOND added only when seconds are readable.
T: h=1 m=6 s=37
